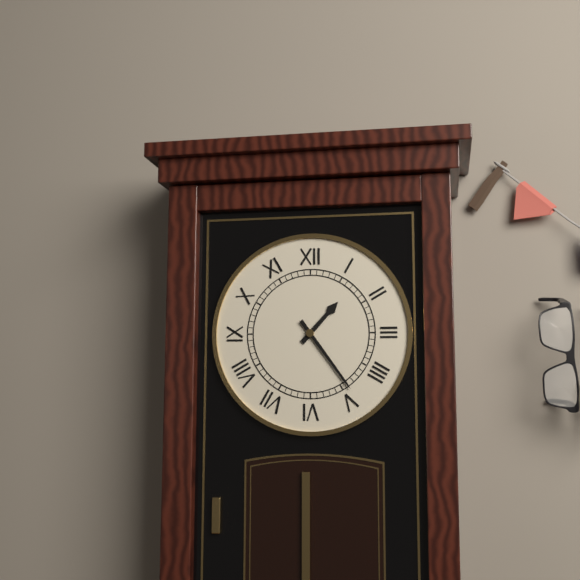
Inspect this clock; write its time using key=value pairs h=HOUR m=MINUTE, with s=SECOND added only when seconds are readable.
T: h=1 m=24
